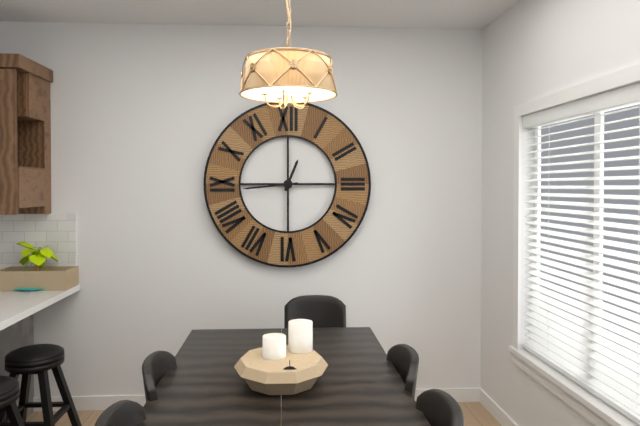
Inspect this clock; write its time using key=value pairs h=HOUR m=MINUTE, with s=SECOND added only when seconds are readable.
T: h=12 m=44
